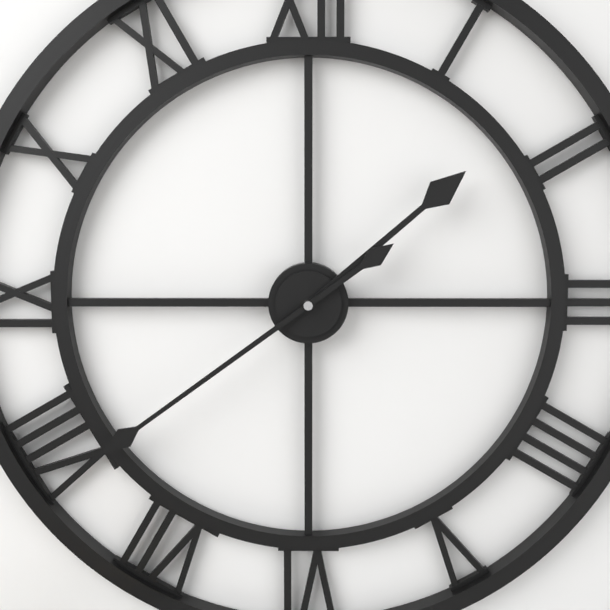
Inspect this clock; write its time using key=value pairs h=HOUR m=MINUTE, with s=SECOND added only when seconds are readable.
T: h=1 m=39
